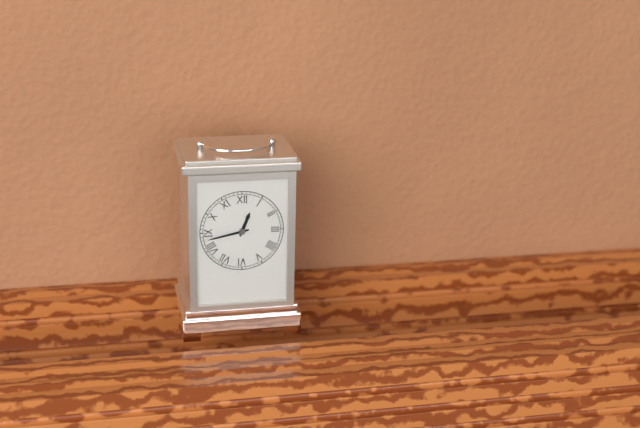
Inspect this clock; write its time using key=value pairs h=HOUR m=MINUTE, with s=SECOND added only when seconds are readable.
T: h=12 m=43
